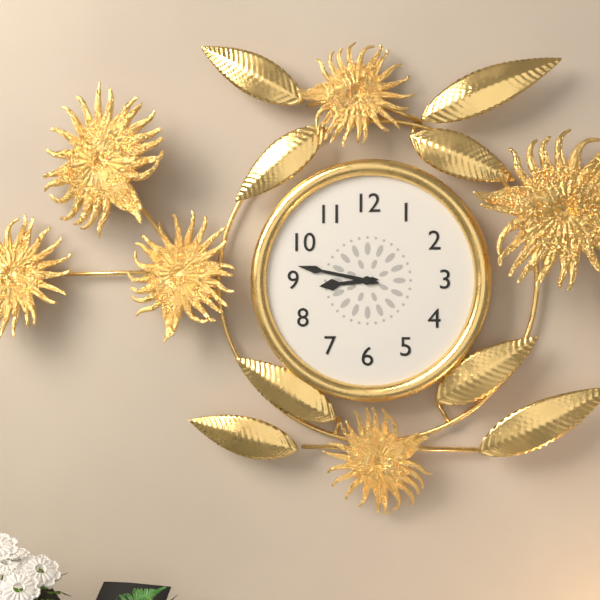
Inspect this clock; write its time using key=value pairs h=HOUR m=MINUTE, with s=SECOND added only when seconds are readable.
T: h=8 m=47
